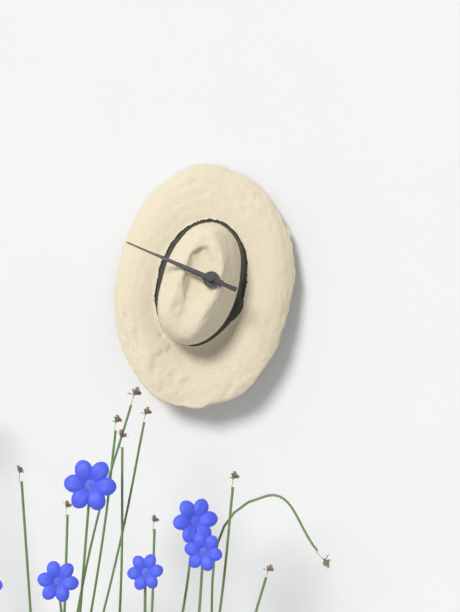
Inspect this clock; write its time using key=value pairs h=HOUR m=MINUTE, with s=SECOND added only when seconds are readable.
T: h=9 m=49
